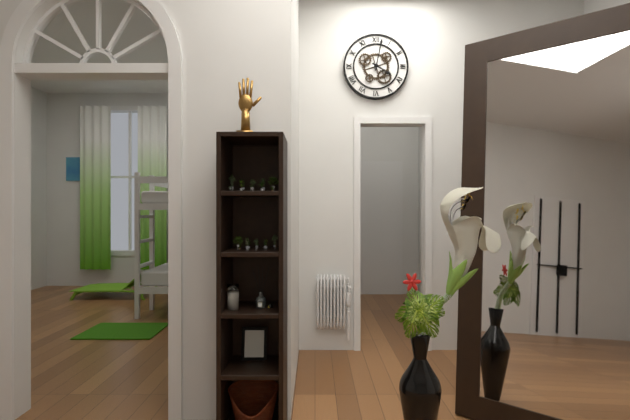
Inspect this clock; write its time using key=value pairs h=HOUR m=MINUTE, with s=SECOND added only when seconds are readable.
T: h=4 m=2
